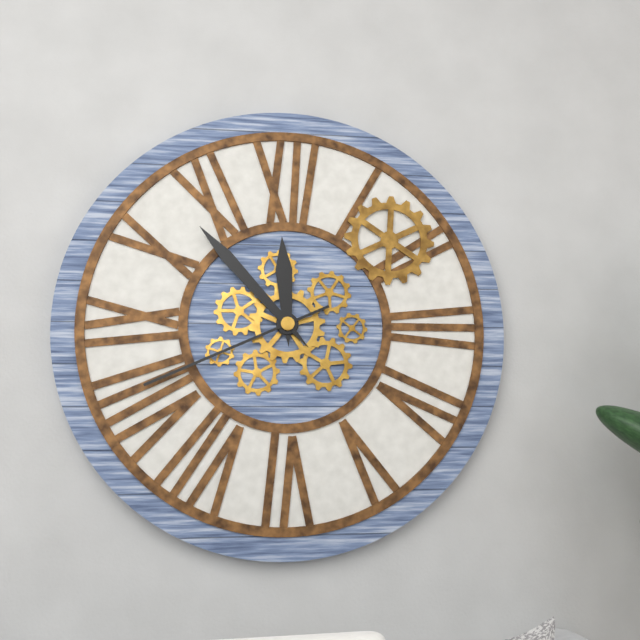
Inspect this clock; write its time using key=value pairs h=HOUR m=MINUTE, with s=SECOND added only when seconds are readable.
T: h=11 m=53 s=41
